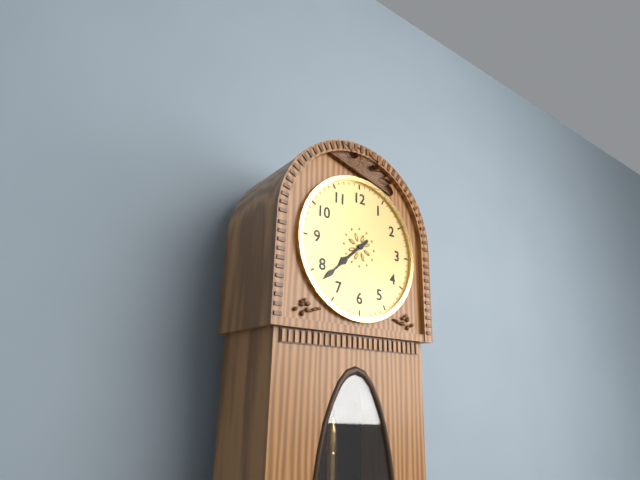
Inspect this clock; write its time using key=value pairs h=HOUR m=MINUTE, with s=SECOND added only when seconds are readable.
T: h=7 m=38
